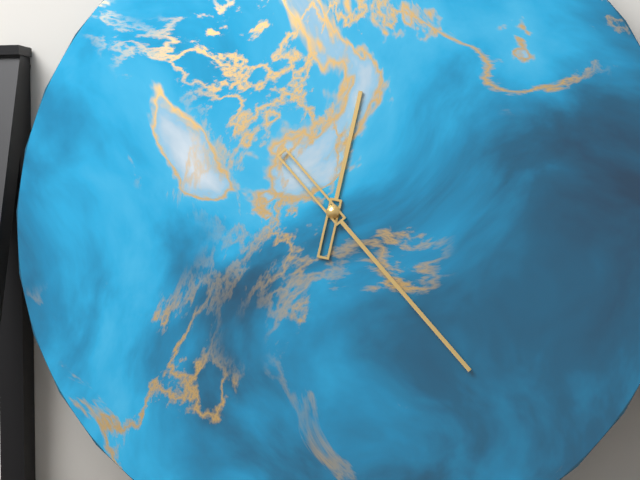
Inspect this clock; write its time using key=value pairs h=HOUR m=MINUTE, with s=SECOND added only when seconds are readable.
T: h=12 m=23
